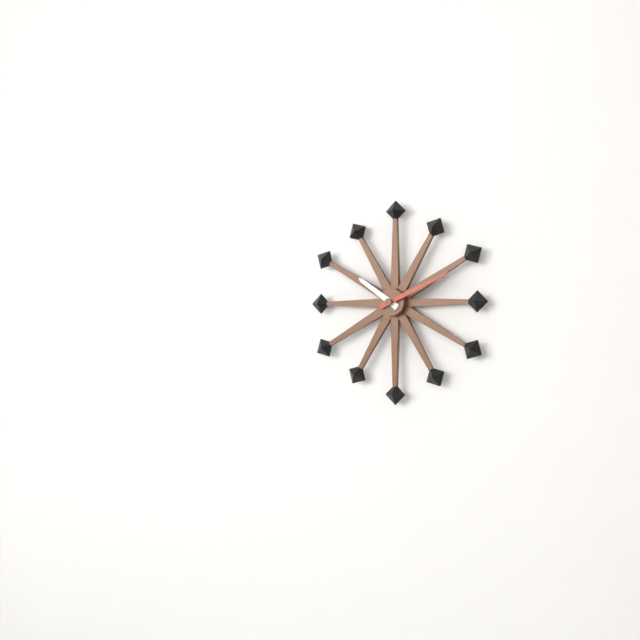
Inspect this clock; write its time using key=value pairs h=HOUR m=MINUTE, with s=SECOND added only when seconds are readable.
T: h=10 m=11
